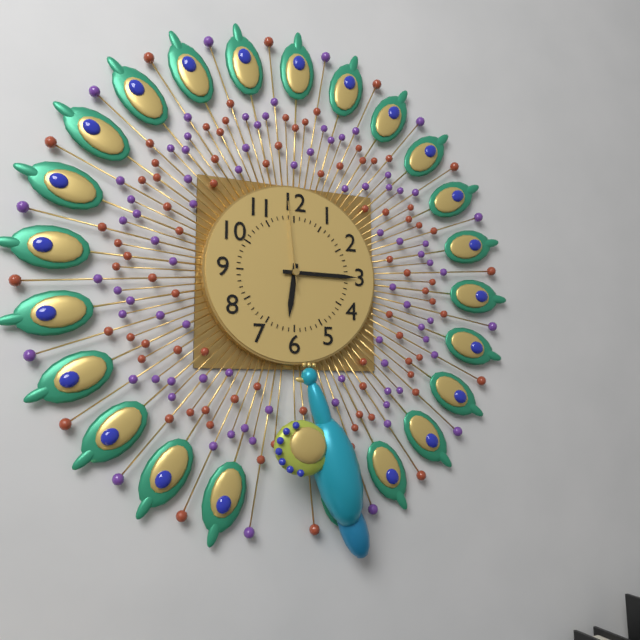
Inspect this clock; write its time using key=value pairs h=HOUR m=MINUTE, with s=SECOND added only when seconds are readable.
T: h=6 m=15 s=59
